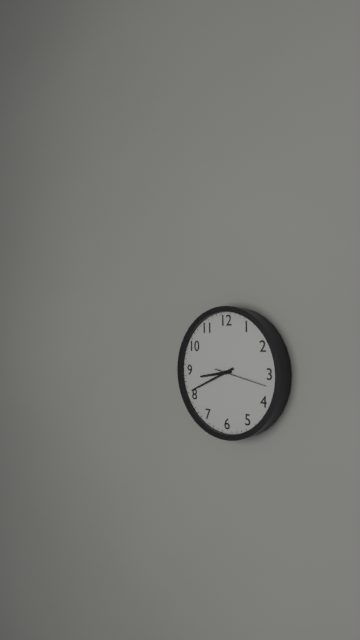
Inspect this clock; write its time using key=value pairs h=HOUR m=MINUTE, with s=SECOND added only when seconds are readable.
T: h=8 m=41
